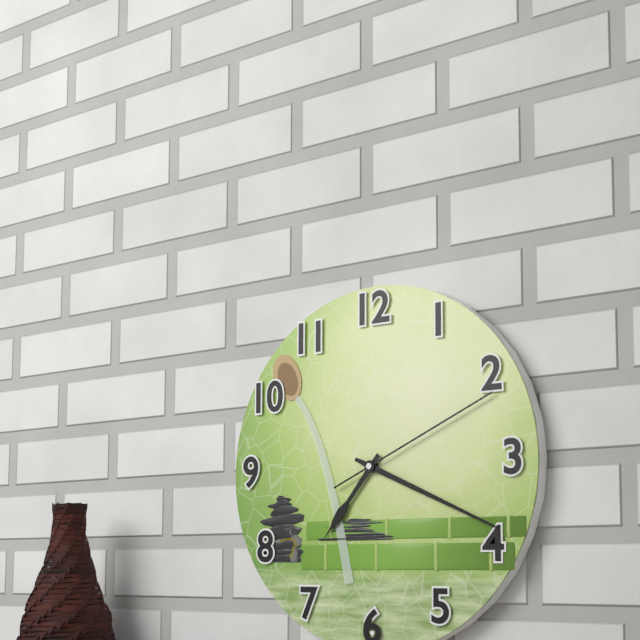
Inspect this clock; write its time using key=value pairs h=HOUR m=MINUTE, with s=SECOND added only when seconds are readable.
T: h=7 m=19 s=11
